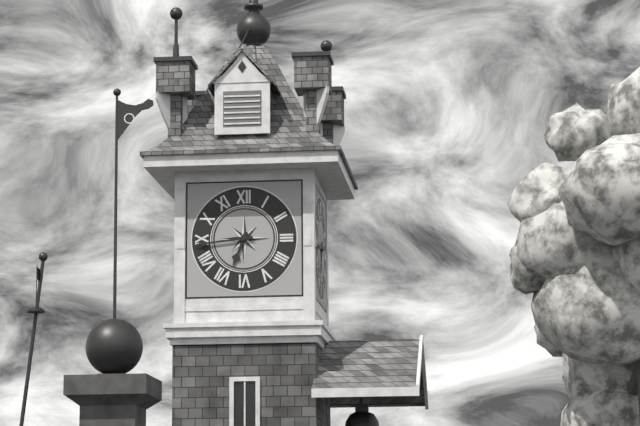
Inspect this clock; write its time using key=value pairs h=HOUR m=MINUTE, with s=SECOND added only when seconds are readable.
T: h=6 m=44
